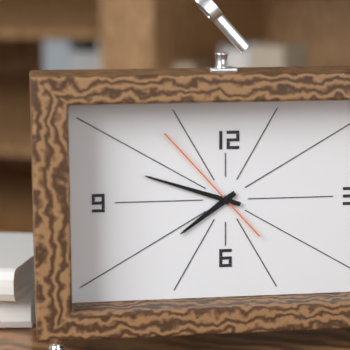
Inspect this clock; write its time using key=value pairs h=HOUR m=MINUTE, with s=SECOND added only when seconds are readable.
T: h=7 m=48 s=53
